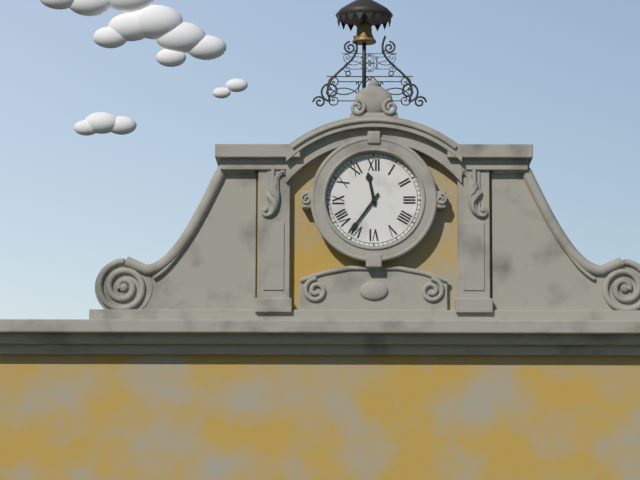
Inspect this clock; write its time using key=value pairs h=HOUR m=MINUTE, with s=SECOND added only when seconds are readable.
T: h=11 m=36
